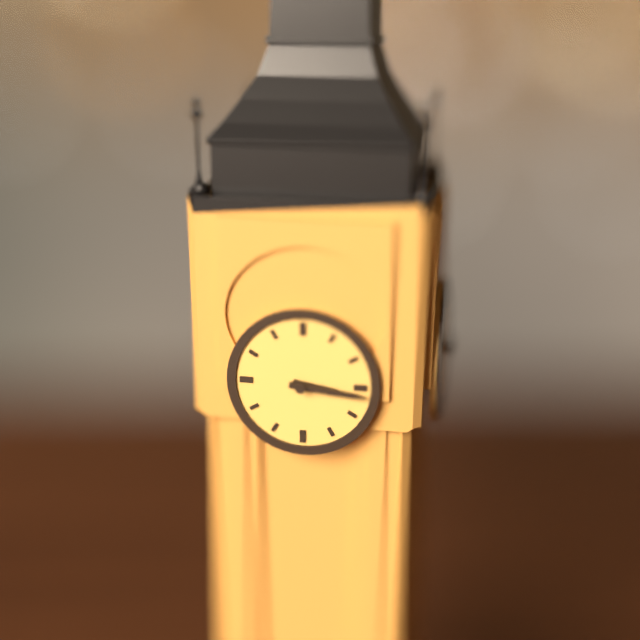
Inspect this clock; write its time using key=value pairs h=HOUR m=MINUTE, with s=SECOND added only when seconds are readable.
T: h=3 m=16
